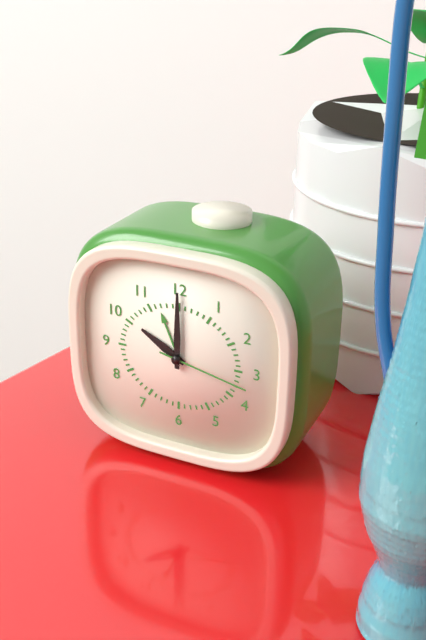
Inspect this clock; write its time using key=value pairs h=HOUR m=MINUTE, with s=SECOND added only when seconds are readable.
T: h=10 m=0 s=17
